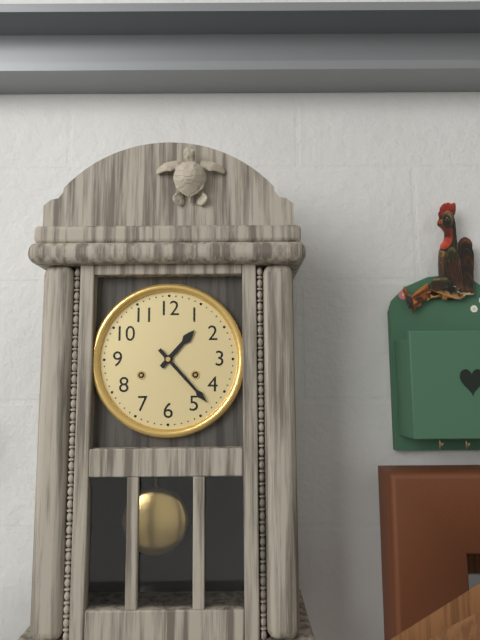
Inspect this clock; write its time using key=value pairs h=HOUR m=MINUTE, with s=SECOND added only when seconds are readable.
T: h=1 m=23
